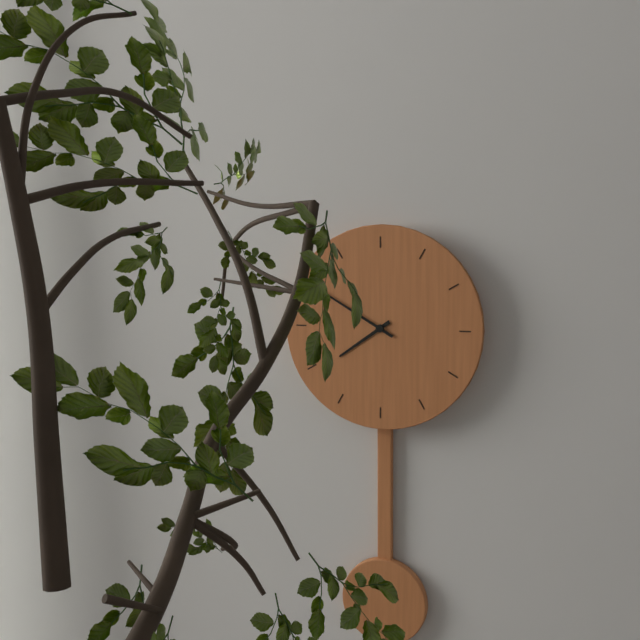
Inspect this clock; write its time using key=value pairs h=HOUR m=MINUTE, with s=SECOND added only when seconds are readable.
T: h=7 m=50
